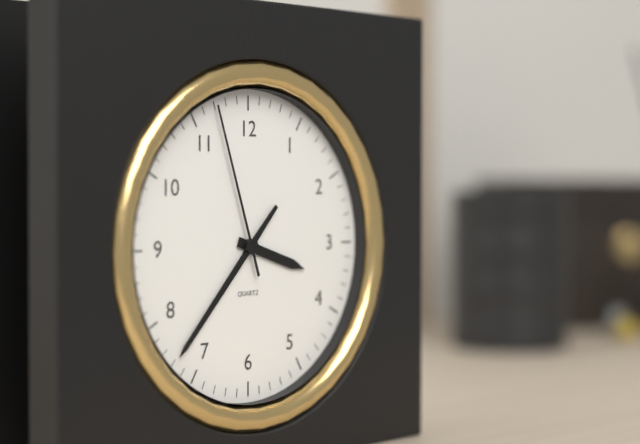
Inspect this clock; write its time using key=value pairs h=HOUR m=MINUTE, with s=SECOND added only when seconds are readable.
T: h=3 m=37 s=57
